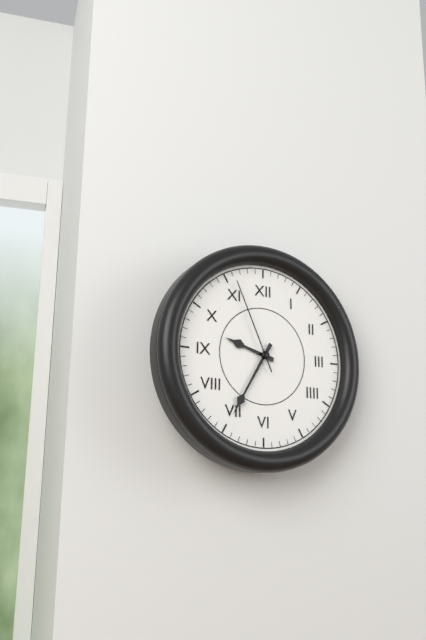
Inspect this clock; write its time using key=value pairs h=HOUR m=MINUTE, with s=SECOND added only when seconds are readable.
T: h=9 m=35 s=56
